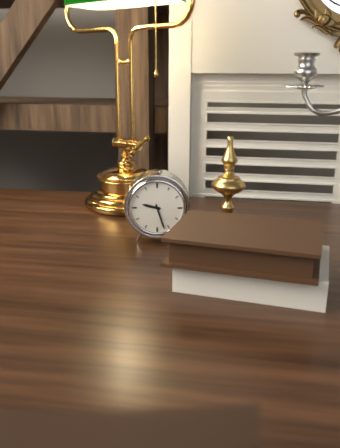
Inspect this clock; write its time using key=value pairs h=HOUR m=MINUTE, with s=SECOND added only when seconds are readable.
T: h=9 m=27
